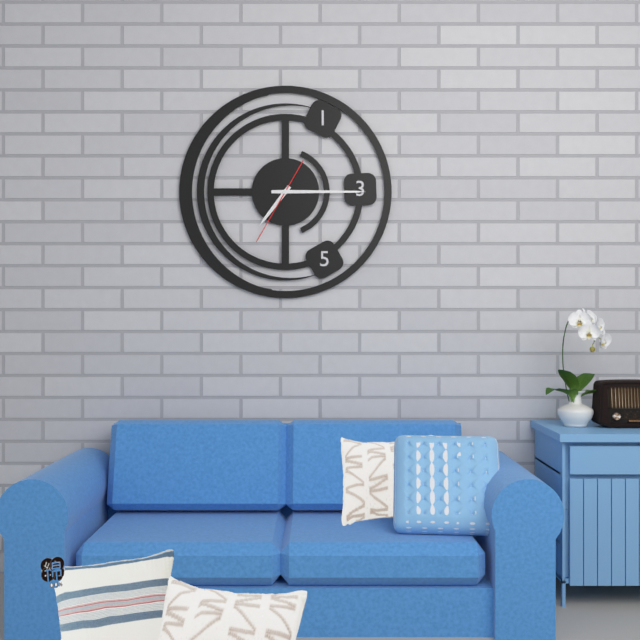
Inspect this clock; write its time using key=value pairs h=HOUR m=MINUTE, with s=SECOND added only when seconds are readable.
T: h=7 m=15 s=35
